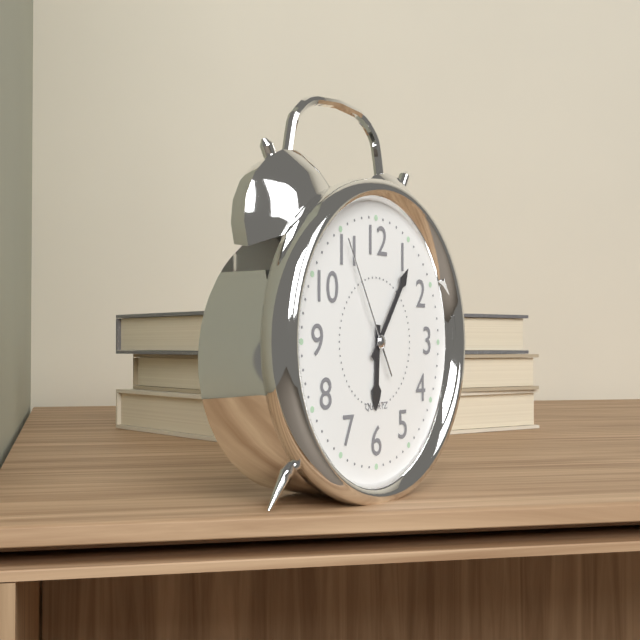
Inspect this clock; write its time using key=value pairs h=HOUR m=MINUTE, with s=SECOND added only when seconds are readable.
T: h=6 m=6 s=55
